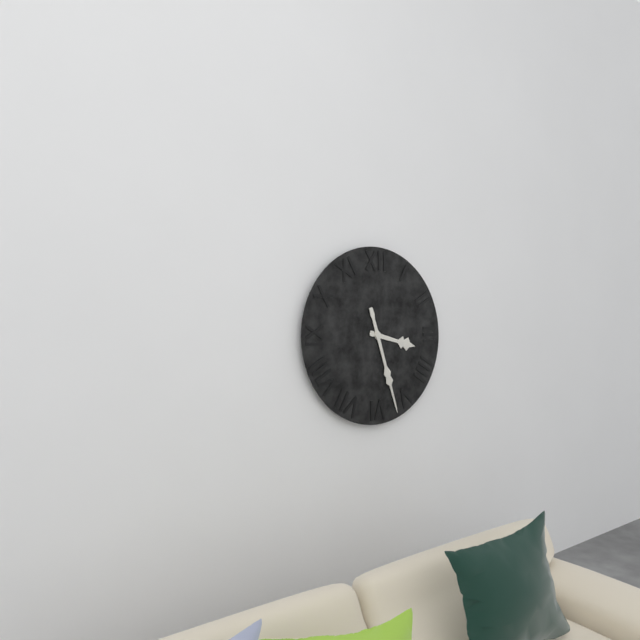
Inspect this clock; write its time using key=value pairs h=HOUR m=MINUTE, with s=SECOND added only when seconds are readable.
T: h=3 m=27
